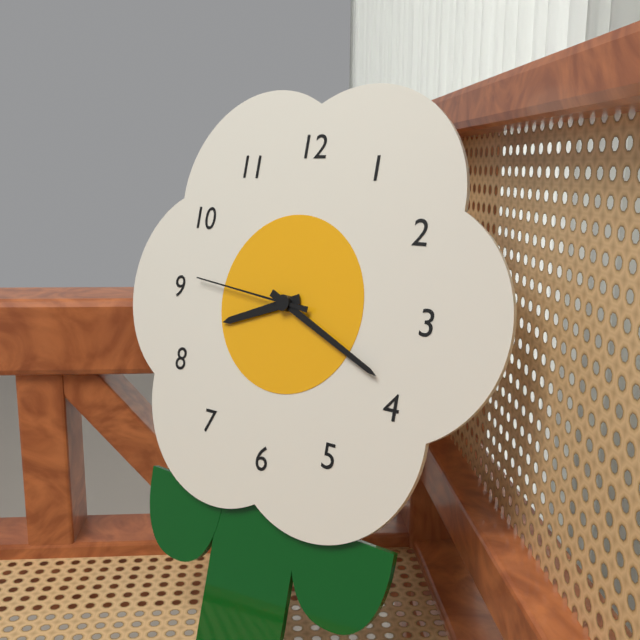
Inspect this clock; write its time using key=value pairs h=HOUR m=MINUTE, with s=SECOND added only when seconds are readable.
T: h=8 m=19 s=46
